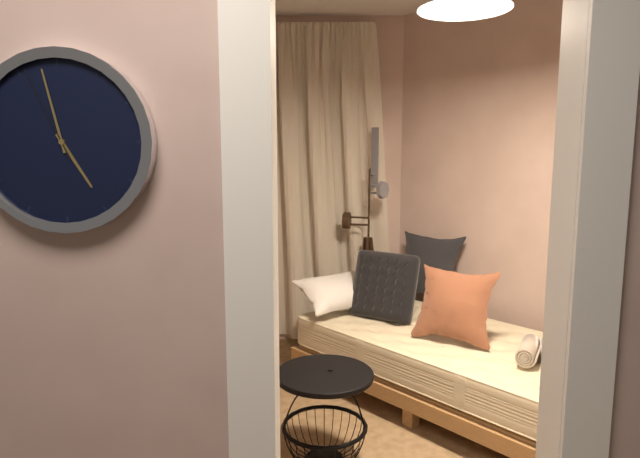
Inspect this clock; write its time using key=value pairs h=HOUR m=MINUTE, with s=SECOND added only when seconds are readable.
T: h=4 m=58 s=56
